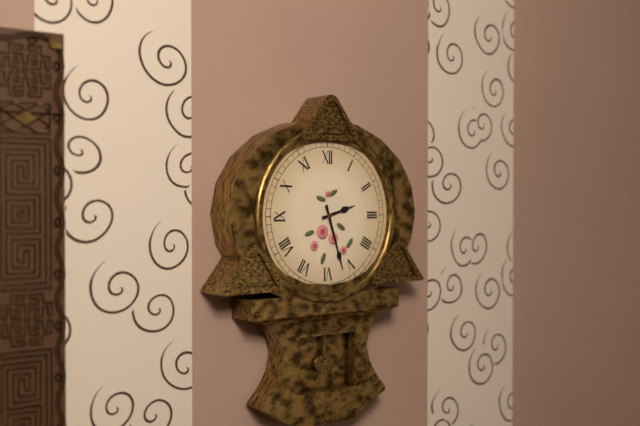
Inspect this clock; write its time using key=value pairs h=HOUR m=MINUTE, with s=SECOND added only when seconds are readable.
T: h=2 m=27
